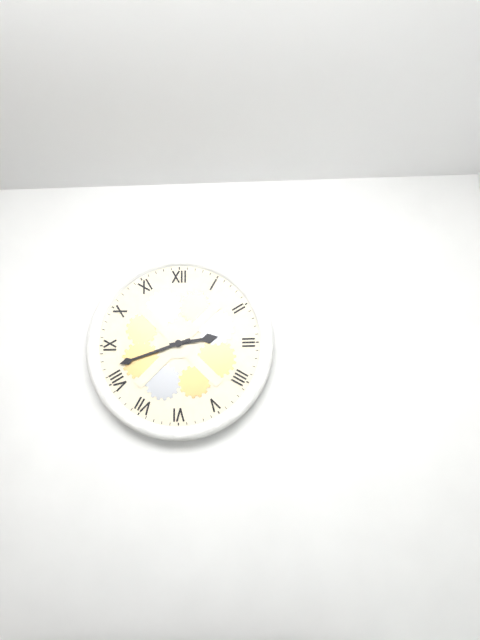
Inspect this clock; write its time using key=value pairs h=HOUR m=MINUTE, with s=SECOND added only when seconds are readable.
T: h=2 m=42
